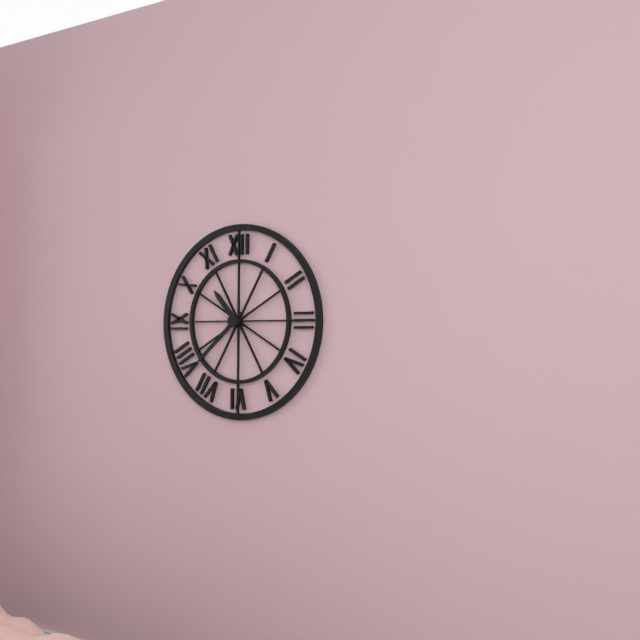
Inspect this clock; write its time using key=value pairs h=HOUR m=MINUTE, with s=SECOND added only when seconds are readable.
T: h=10 m=38
